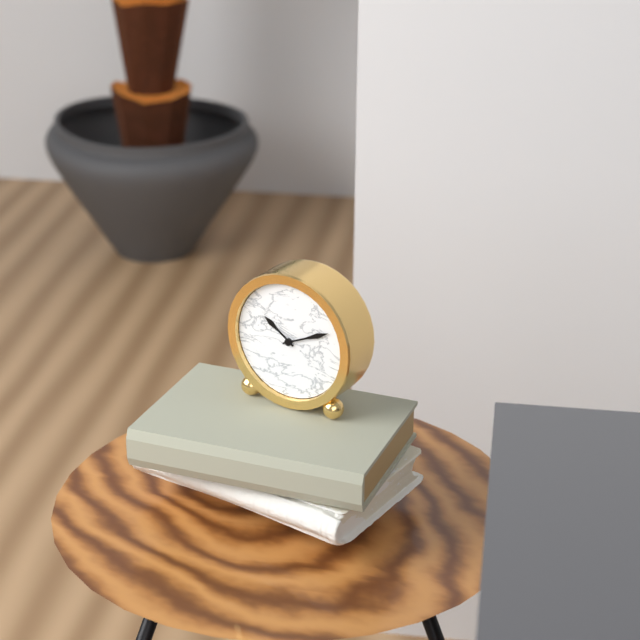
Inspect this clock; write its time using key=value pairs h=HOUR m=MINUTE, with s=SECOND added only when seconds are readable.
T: h=10 m=11
